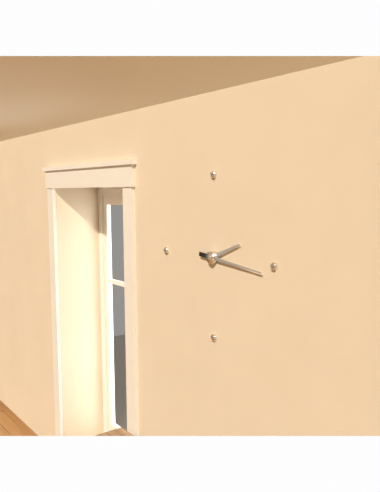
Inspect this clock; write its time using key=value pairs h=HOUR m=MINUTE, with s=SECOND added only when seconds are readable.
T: h=2 m=16
